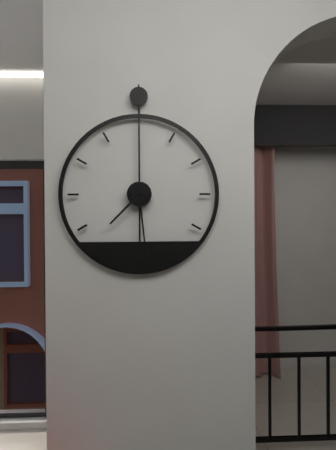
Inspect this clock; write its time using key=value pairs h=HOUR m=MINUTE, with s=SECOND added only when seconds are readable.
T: h=7 m=29
